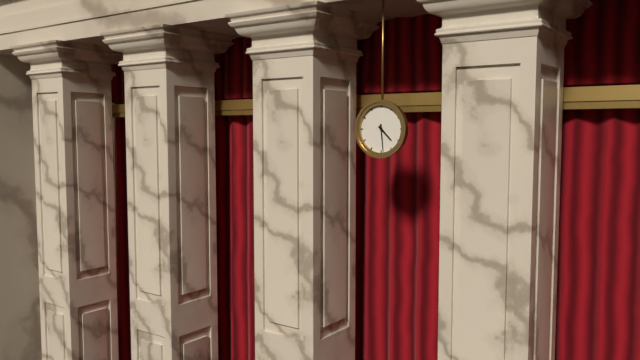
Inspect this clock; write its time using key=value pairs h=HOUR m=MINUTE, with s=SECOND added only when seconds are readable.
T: h=4 m=29
